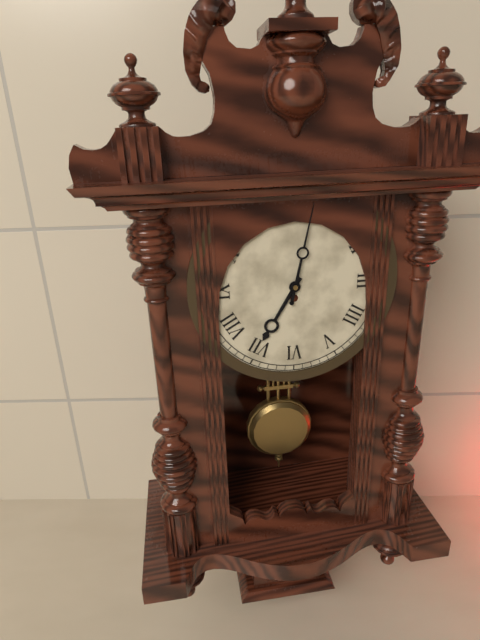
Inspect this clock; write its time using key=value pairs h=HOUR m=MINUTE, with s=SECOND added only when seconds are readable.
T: h=7 m=2
